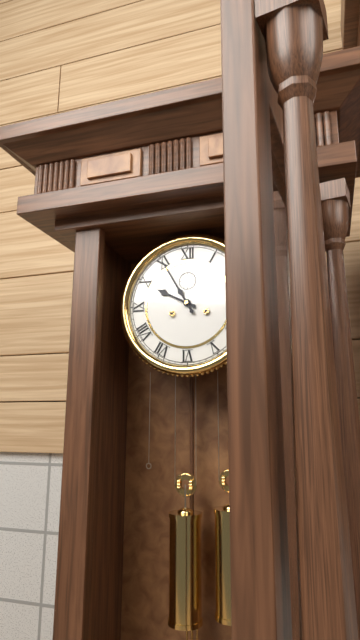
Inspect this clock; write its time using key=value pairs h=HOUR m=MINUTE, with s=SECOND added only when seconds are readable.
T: h=9 m=55
